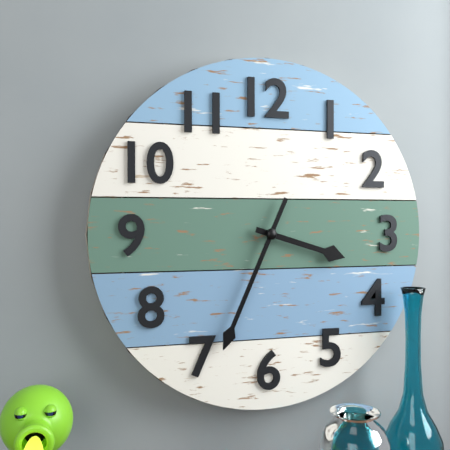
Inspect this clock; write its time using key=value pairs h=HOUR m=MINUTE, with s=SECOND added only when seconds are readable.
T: h=3 m=34
